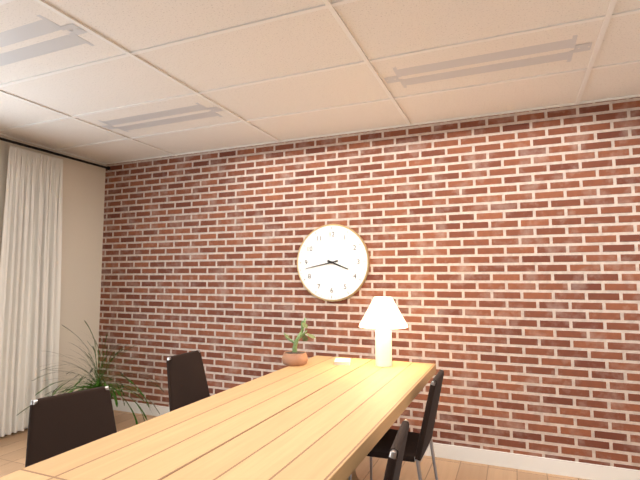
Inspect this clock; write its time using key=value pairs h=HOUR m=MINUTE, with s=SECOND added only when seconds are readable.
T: h=3 m=43
